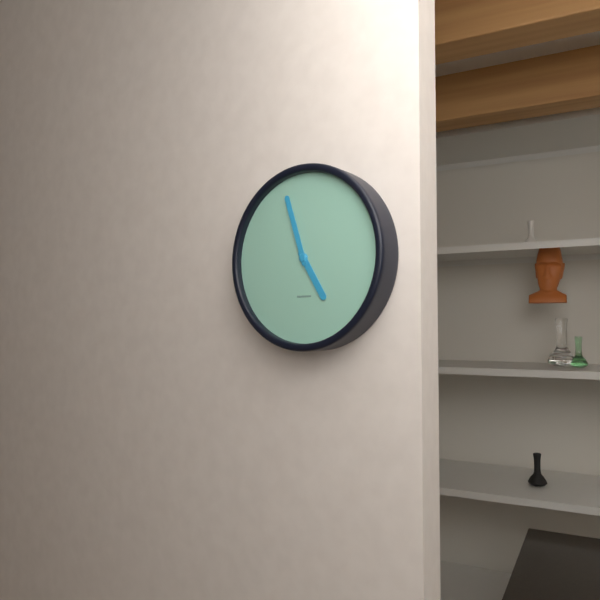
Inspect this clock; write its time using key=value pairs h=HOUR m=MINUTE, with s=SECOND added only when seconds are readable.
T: h=4 m=57
